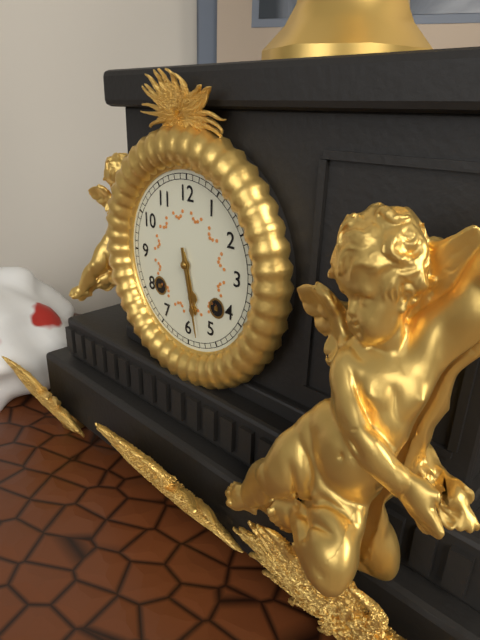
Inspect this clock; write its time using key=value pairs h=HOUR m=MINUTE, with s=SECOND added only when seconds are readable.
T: h=5 m=28
